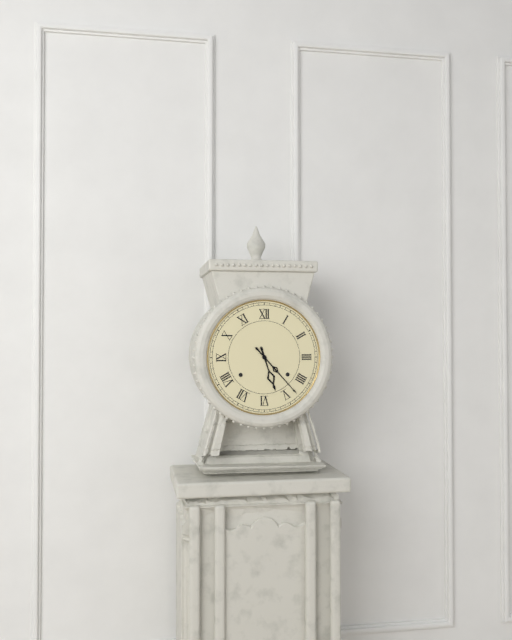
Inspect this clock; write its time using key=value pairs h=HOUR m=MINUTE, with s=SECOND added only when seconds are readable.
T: h=5 m=23
